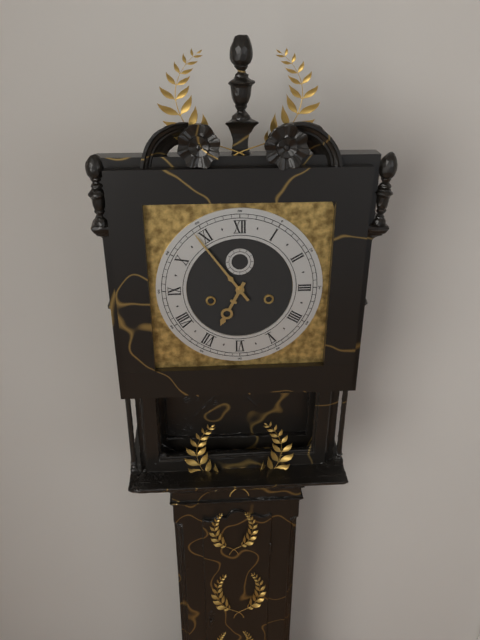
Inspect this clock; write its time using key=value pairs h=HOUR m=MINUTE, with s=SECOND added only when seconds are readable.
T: h=6 m=54
